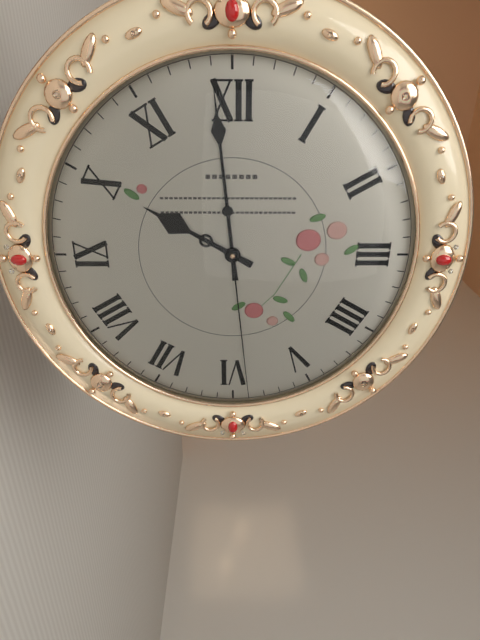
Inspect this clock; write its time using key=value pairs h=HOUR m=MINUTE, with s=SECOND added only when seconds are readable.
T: h=9 m=59 s=29
